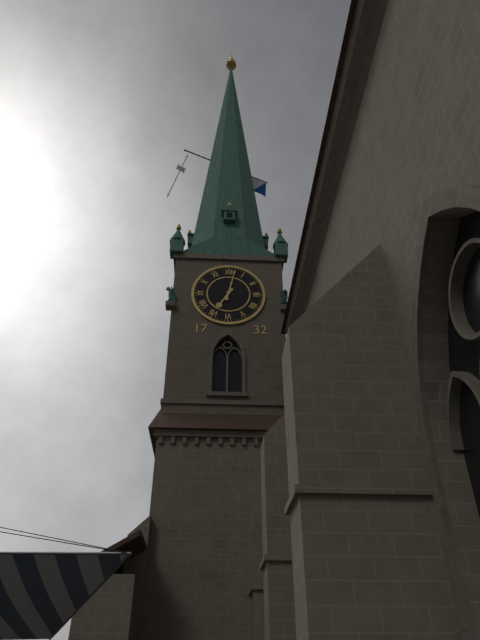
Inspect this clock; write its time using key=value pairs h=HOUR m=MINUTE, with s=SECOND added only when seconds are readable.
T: h=7 m=2
